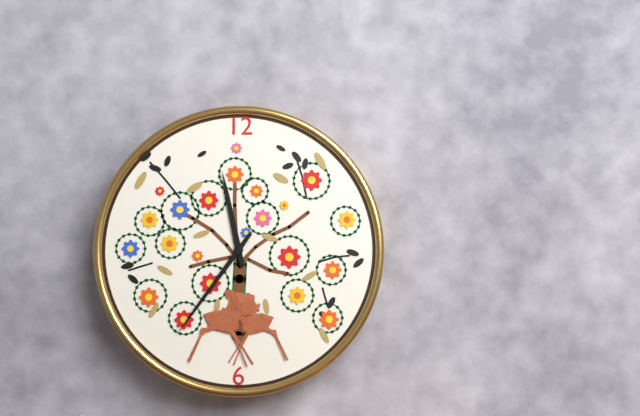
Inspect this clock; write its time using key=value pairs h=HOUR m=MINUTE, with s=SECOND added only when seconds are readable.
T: h=11 m=36
